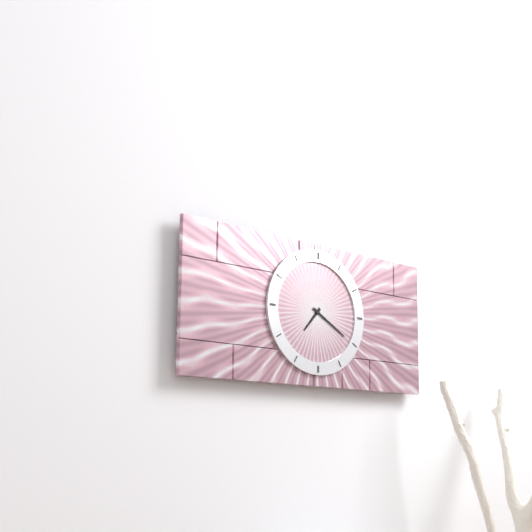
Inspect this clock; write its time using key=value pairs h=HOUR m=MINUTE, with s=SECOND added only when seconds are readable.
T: h=7 m=20
